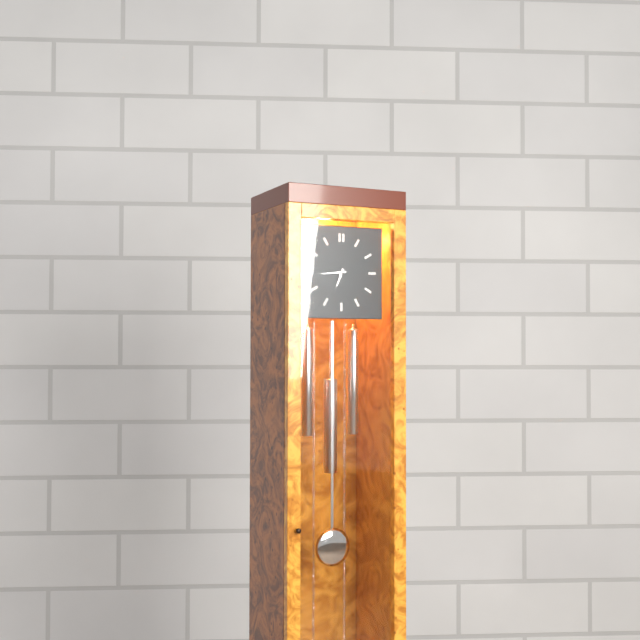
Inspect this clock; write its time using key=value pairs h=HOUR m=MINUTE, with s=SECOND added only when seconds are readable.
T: h=6 m=44
